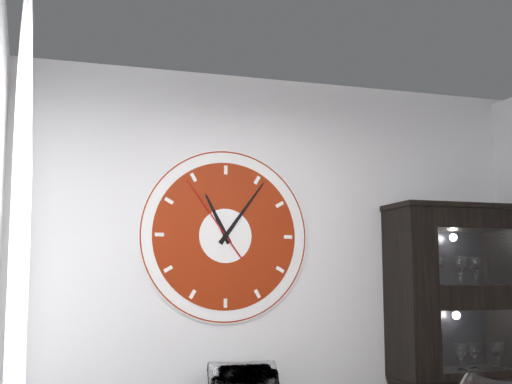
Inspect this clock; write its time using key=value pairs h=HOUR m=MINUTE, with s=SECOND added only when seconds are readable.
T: h=11 m=6 s=54
